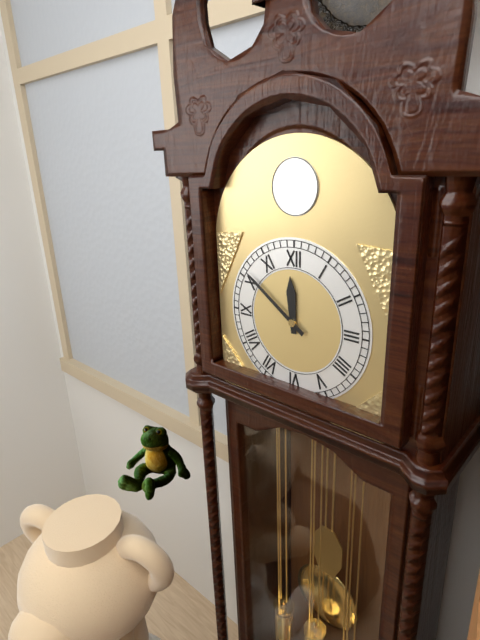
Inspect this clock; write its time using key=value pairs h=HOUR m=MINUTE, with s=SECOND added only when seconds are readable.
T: h=11 m=51
